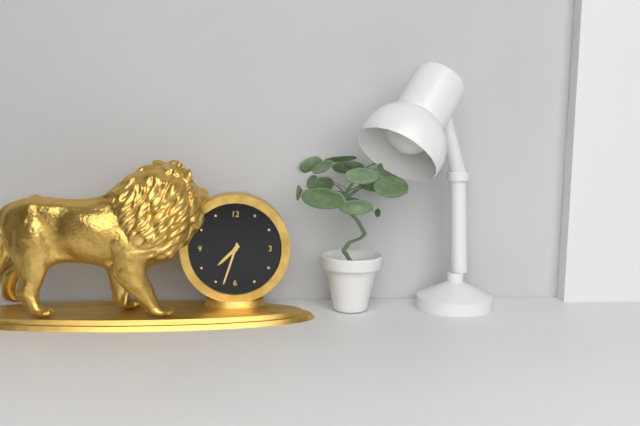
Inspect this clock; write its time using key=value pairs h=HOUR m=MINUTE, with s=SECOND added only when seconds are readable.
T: h=7 m=33
